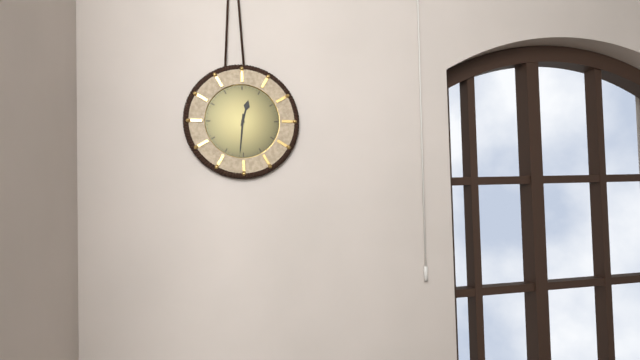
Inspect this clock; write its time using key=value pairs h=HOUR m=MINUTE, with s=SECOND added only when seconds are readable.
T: h=12 m=31
